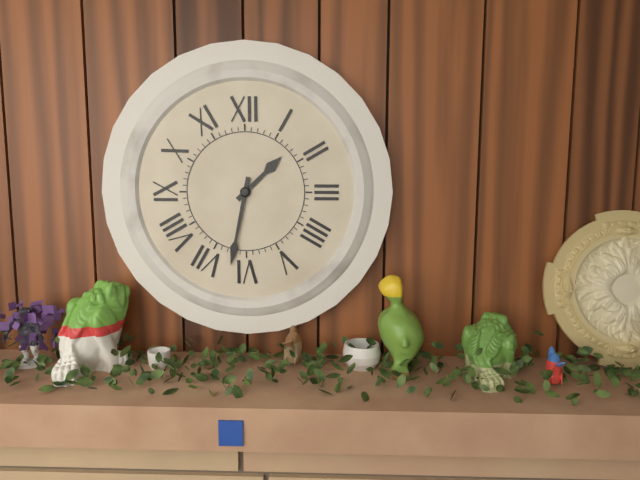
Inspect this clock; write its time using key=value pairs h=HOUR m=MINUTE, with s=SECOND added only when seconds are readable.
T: h=1 m=32
